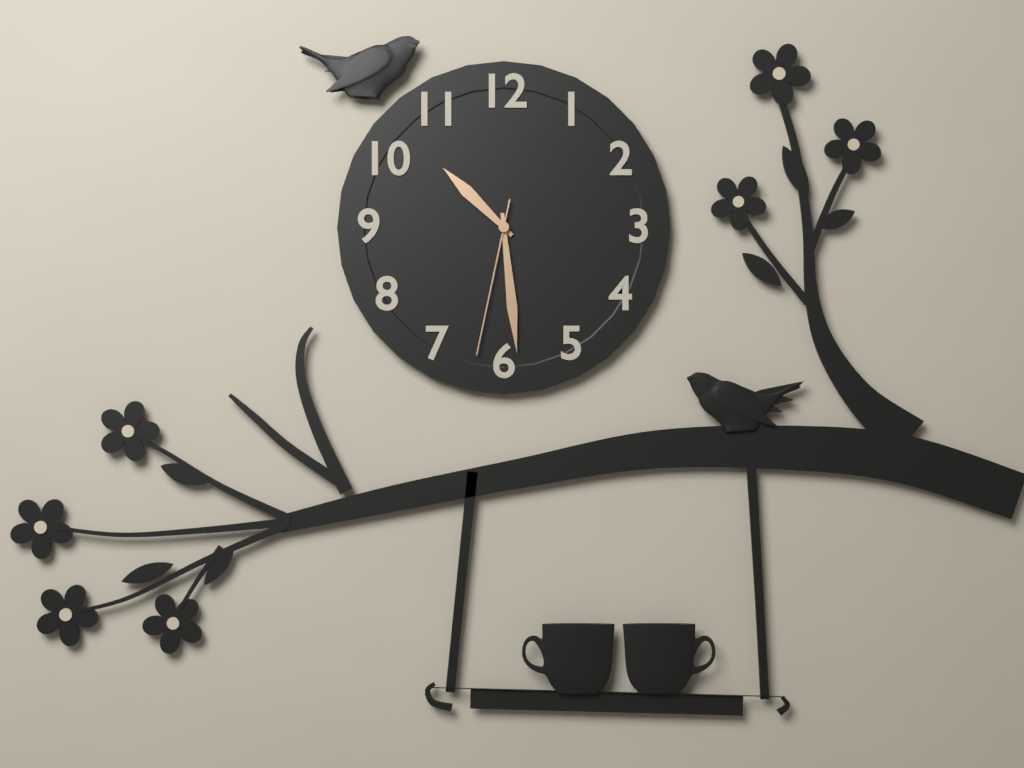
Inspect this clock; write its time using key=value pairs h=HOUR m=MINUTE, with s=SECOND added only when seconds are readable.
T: h=10 m=29 s=32
